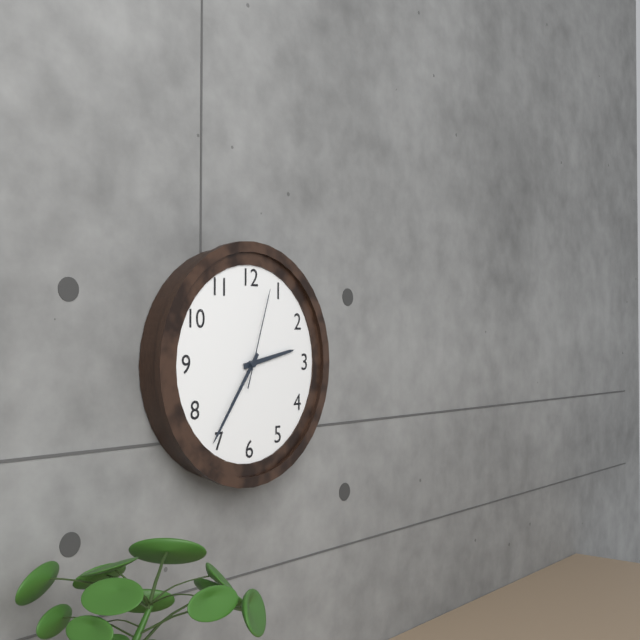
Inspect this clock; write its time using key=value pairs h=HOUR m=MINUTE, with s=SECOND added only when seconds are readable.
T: h=2 m=36 s=3
